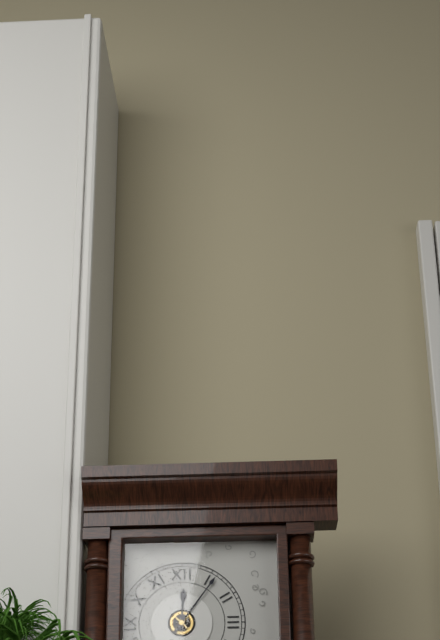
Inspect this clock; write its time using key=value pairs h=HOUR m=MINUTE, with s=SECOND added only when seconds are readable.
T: h=12 m=6
